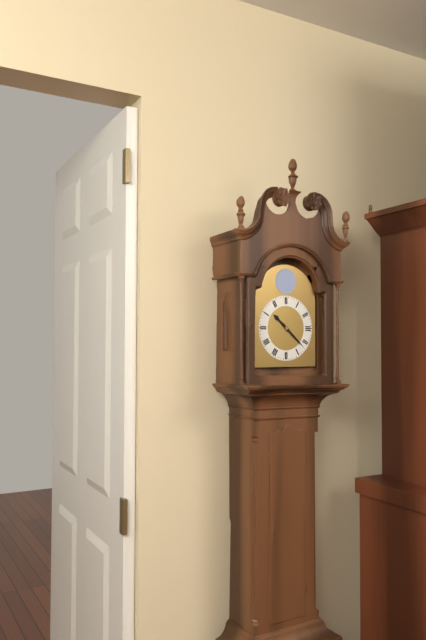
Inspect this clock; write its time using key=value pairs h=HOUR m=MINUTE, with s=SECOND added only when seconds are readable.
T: h=10 m=22
